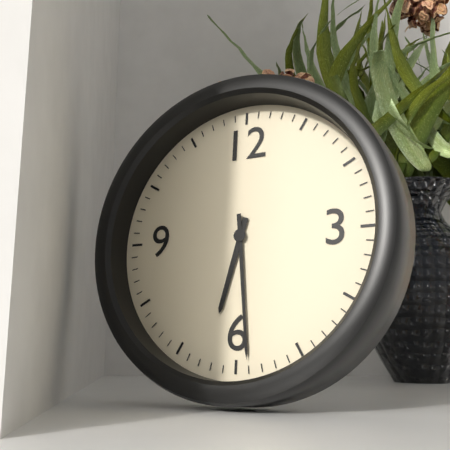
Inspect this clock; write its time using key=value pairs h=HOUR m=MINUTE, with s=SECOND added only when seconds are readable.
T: h=6 m=29
